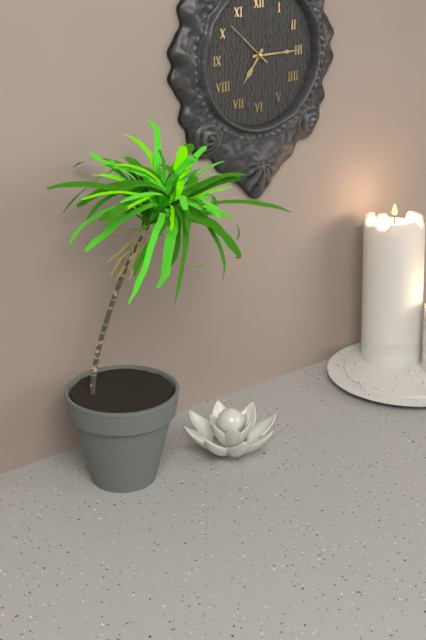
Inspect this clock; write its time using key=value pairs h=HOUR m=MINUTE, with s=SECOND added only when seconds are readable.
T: h=7 m=15 s=52
